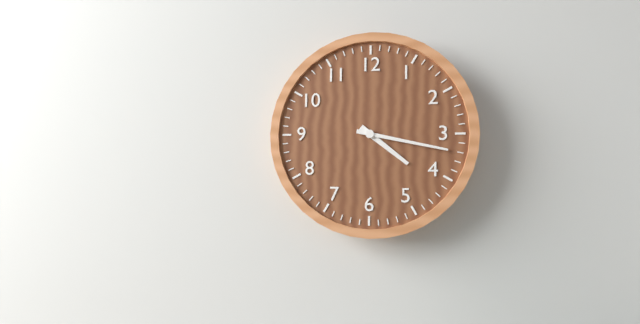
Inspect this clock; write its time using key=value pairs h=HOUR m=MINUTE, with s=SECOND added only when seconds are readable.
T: h=4 m=17
